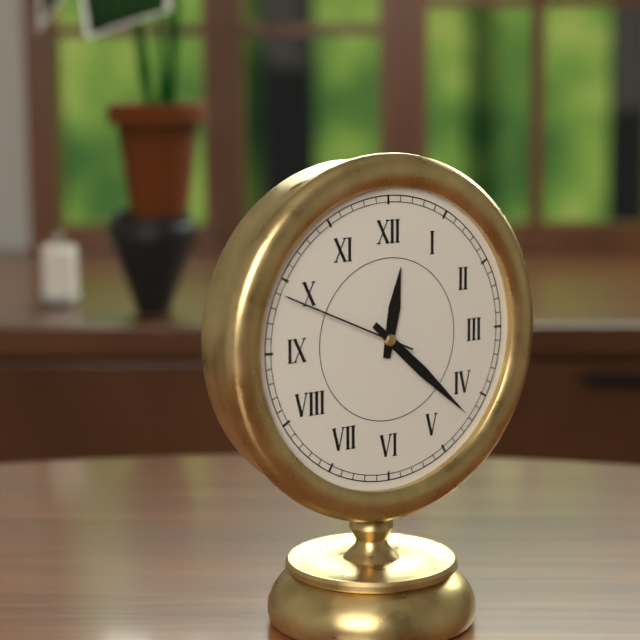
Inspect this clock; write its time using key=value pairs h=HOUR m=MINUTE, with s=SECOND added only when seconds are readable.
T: h=12 m=22 s=49
